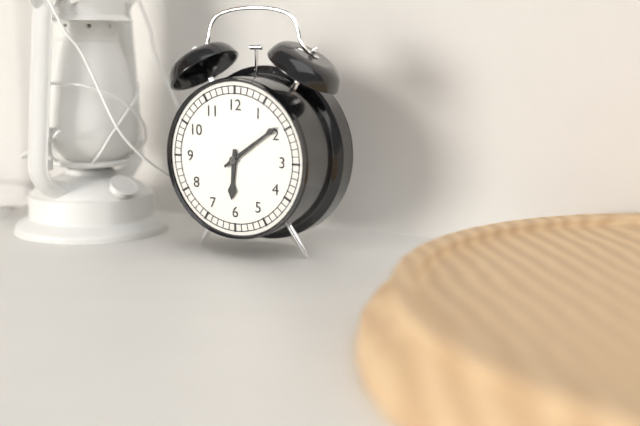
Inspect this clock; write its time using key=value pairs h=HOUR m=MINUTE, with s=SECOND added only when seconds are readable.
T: h=6 m=9
